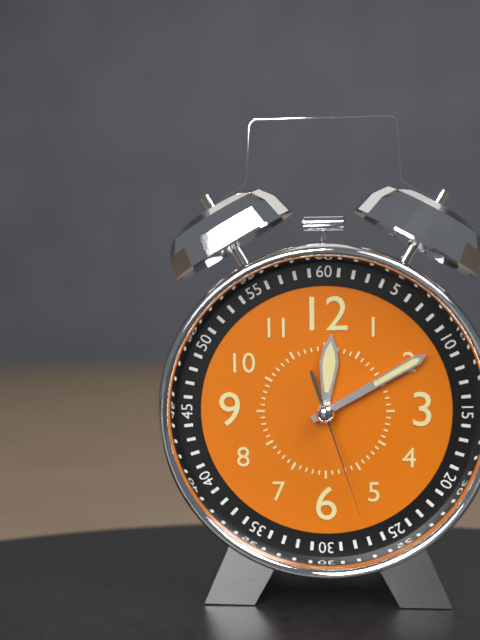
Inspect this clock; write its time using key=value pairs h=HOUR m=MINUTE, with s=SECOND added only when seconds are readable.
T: h=12 m=10 s=27
